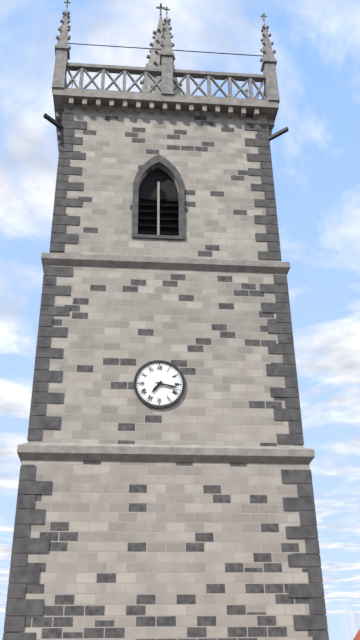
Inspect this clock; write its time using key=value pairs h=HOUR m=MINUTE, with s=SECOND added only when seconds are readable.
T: h=7 m=17
